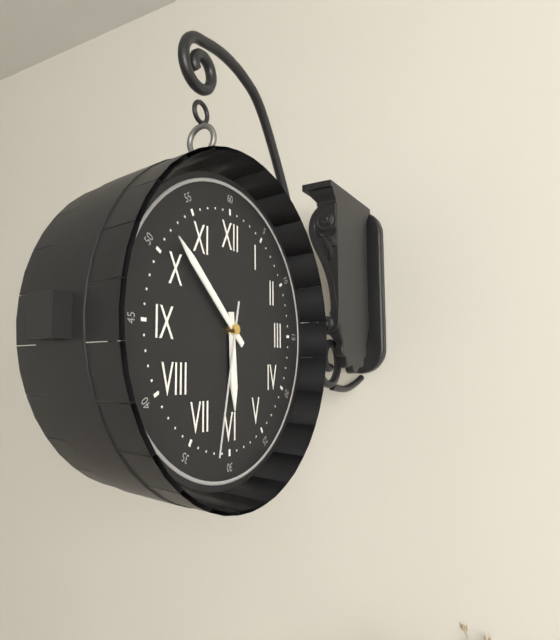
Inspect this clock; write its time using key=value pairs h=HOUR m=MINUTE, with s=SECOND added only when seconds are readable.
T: h=5 m=52 s=32
